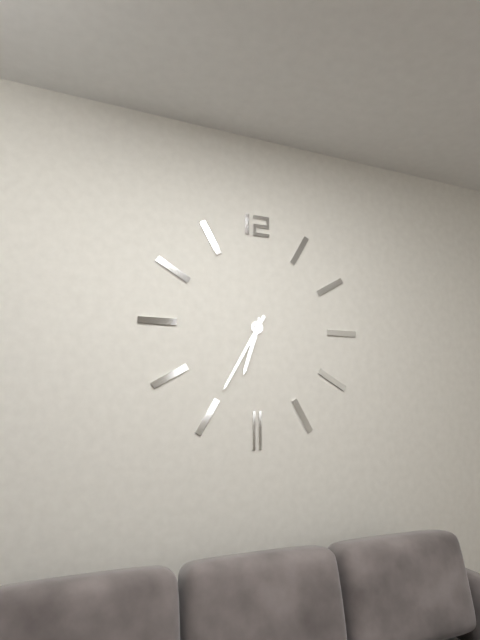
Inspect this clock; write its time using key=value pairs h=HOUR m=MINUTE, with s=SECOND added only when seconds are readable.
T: h=6 m=35
